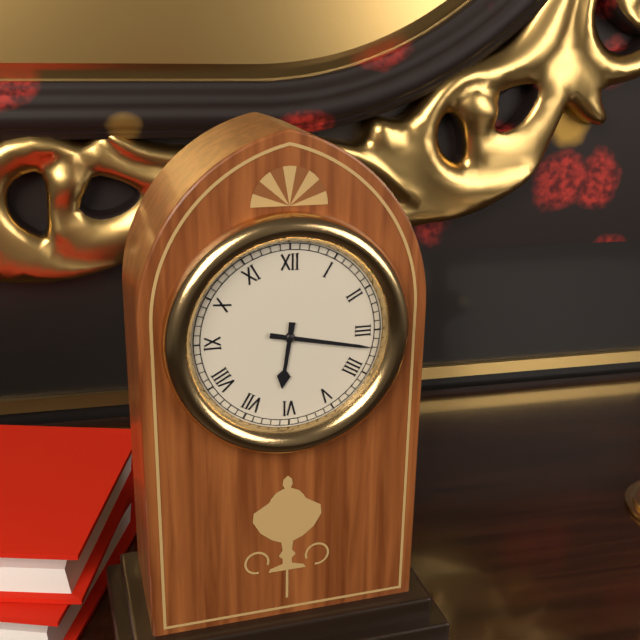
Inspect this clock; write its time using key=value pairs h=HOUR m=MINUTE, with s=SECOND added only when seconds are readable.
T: h=6 m=17
